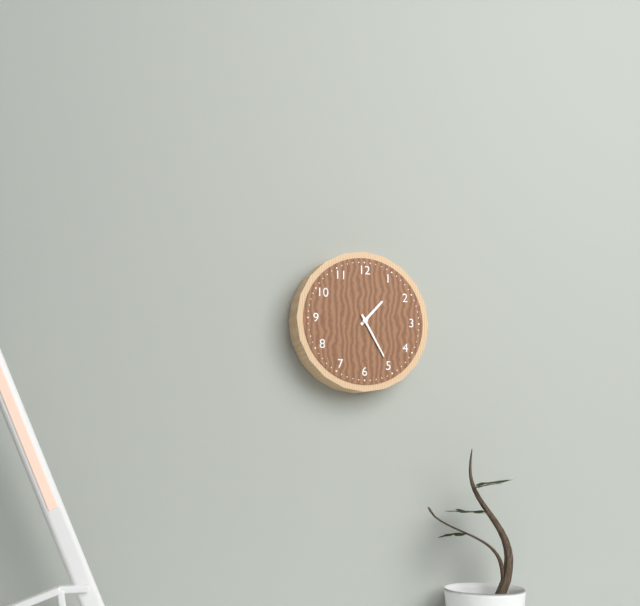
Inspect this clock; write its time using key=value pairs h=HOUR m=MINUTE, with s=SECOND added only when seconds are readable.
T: h=1 m=25
